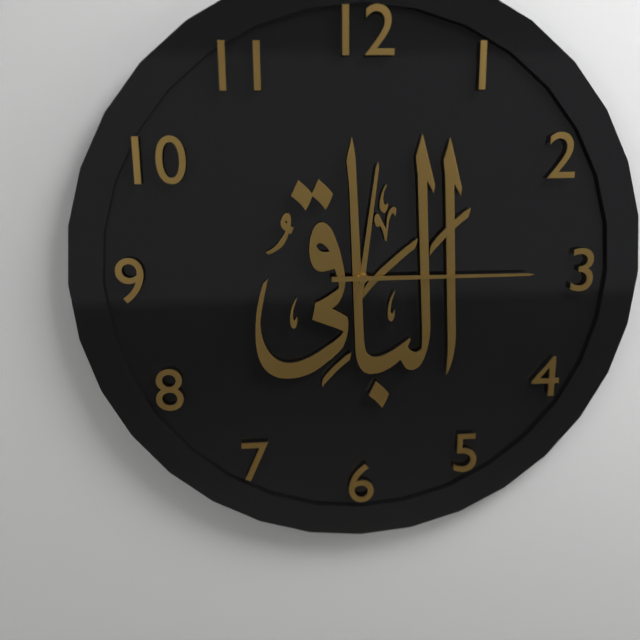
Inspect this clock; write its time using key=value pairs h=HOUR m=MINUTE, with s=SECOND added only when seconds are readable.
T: h=12 m=15
